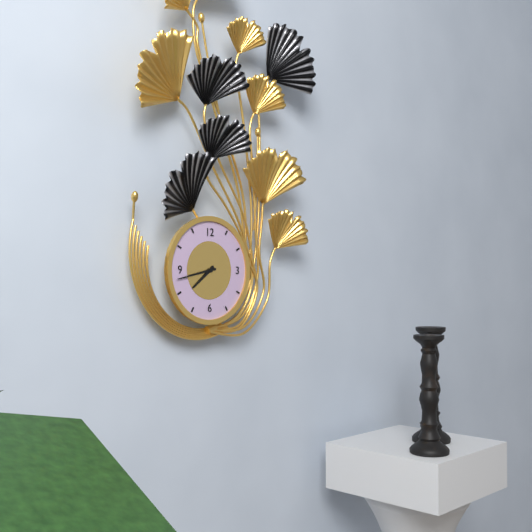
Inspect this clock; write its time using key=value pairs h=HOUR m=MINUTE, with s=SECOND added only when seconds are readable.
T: h=7 m=43
